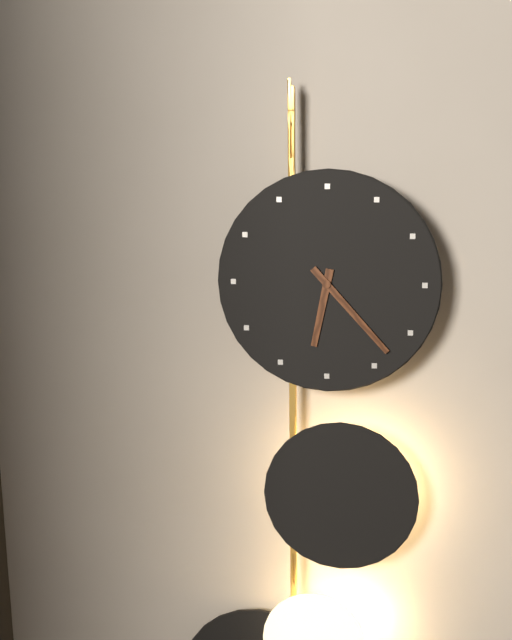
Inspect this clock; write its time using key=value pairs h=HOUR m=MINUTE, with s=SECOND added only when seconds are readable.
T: h=6 m=23
